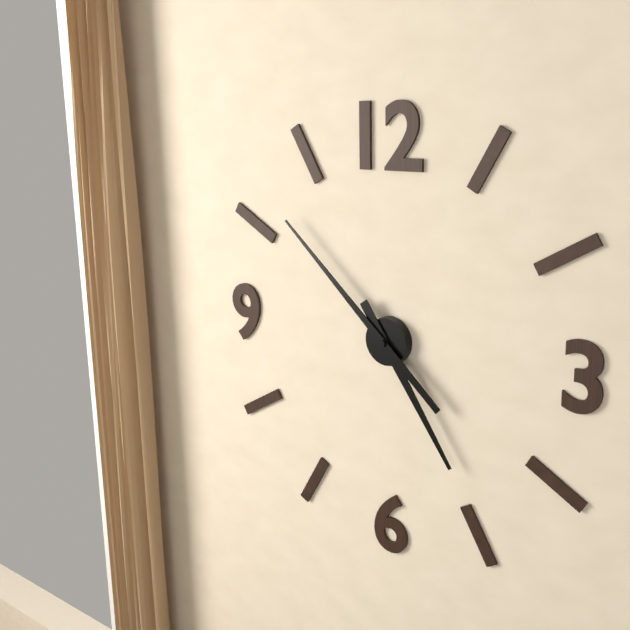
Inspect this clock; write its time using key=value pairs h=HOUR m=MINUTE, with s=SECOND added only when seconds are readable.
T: h=4 m=52
